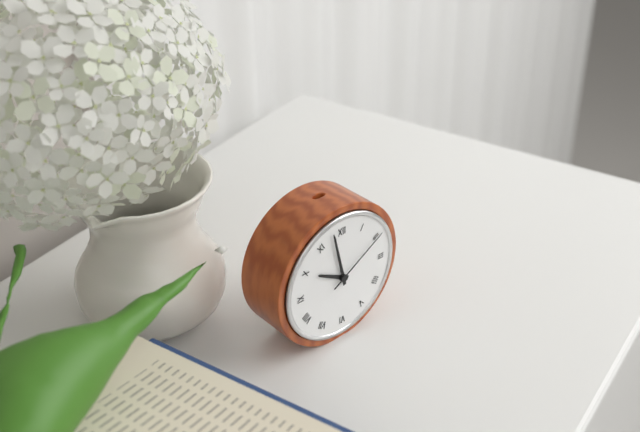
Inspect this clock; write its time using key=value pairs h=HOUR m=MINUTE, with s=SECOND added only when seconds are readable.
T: h=9 m=58 s=10
